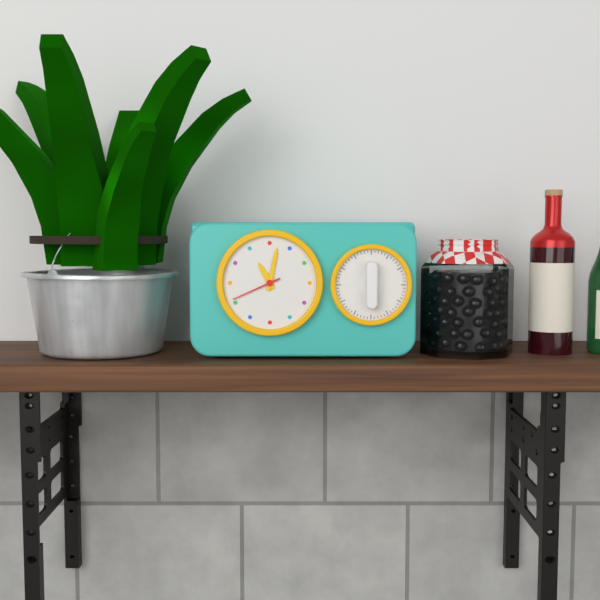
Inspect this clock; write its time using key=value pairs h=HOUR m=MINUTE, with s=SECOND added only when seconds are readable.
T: h=11 m=2 s=41
